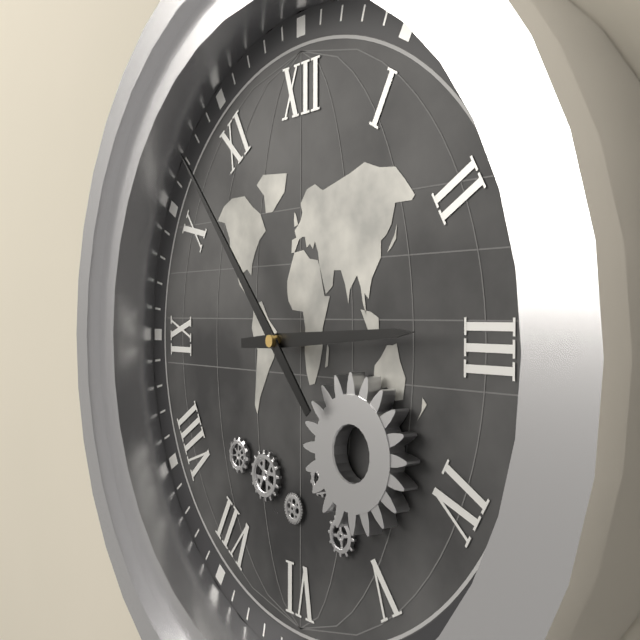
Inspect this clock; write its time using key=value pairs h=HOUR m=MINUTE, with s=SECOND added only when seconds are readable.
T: h=2 m=53
